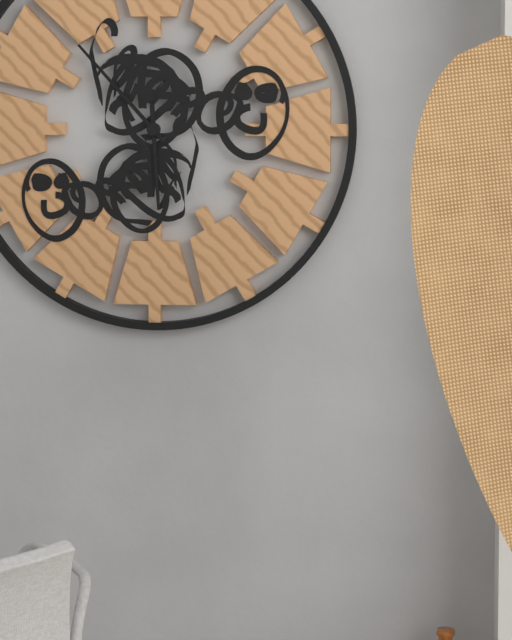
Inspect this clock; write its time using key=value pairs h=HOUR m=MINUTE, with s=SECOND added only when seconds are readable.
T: h=5 m=53
